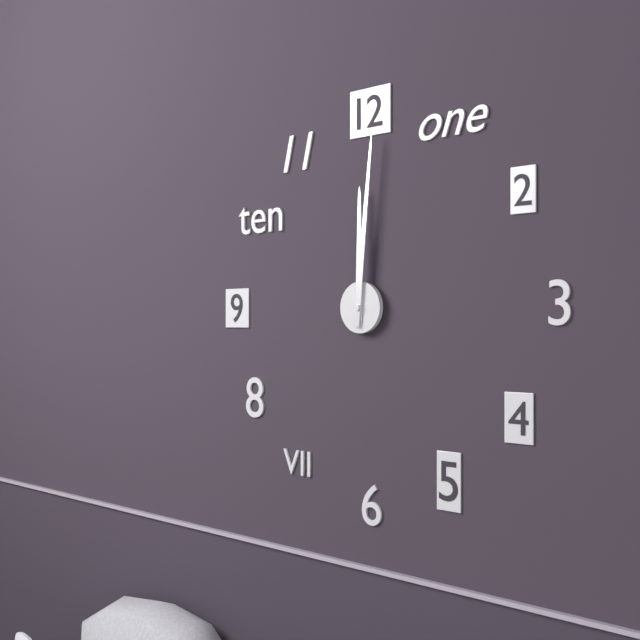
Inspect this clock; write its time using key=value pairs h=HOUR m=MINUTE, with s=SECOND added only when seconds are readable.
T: h=12 m=1
